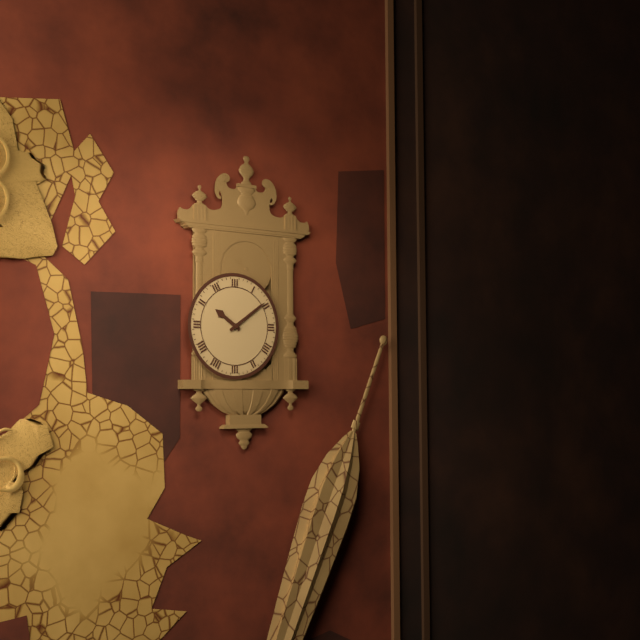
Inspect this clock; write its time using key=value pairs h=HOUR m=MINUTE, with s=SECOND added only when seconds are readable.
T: h=10 m=9
